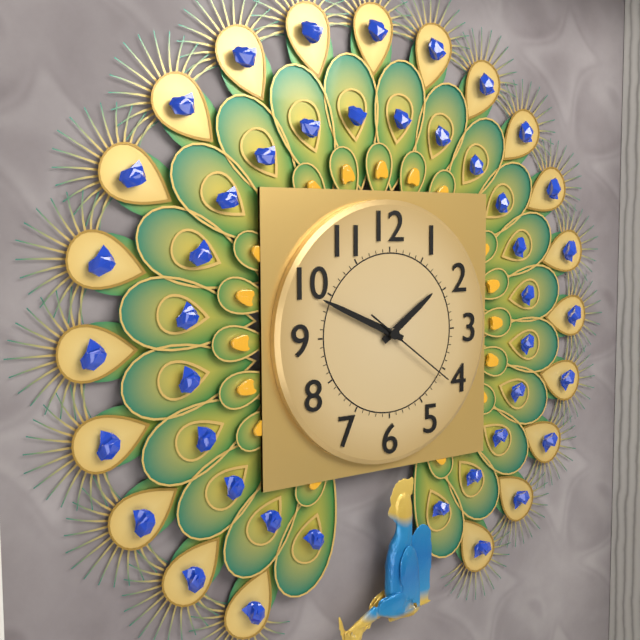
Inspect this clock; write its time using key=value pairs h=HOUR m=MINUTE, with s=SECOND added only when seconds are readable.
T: h=1 m=49 s=21
